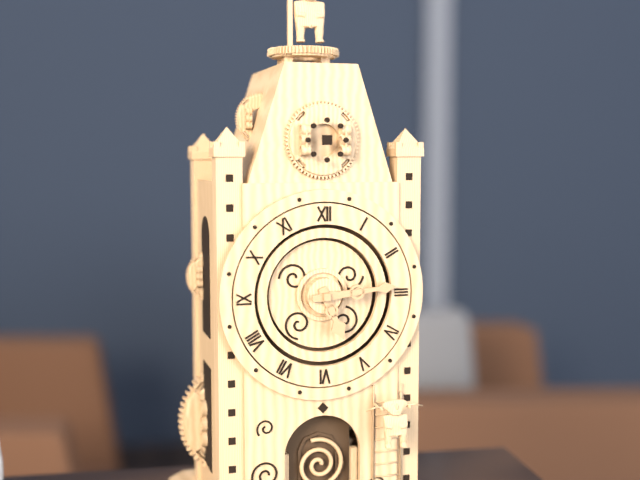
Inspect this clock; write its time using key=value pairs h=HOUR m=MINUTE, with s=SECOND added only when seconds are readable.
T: h=5 m=14
